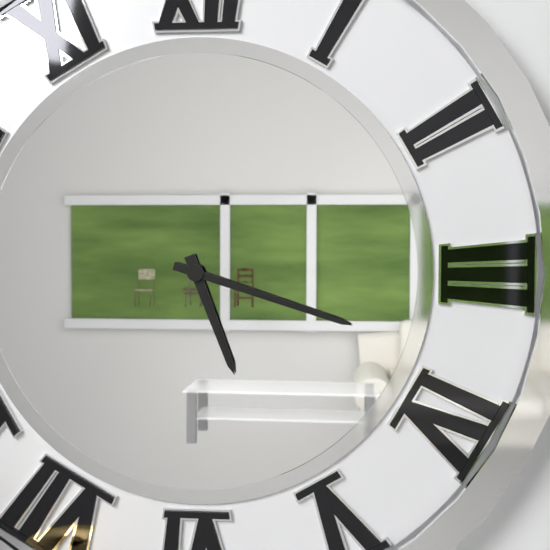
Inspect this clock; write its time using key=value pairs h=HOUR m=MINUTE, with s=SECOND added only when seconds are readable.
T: h=5 m=18
